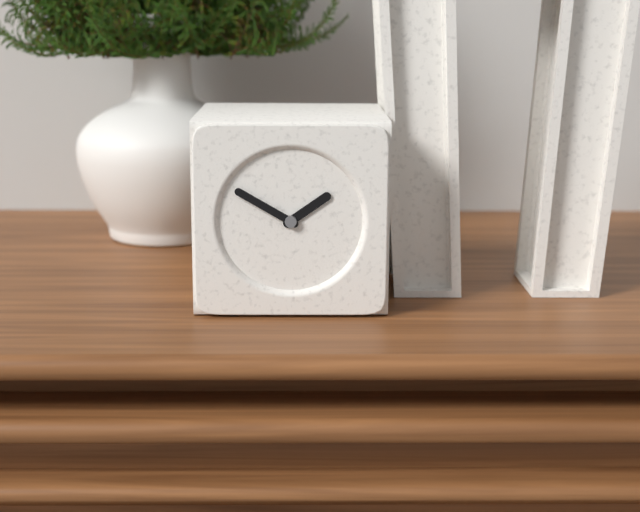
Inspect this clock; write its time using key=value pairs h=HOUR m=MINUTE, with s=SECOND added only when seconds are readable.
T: h=1 m=50
